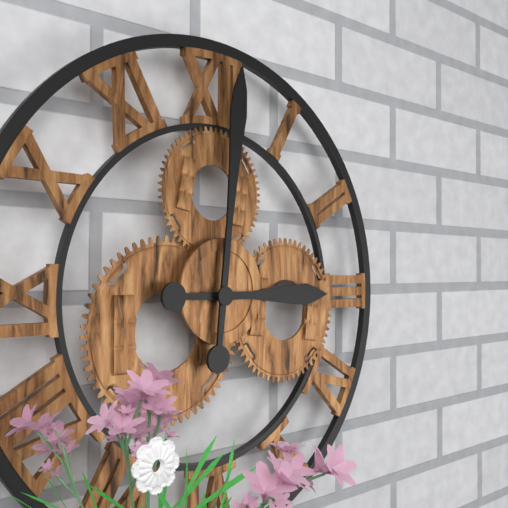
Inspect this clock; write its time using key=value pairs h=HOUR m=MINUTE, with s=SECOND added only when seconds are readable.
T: h=3 m=1
